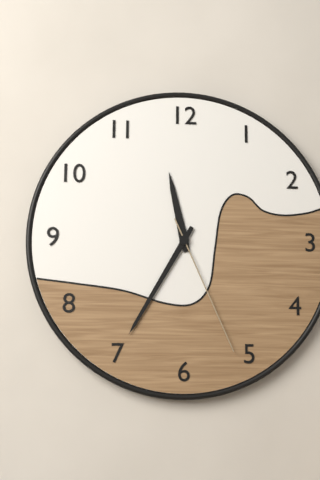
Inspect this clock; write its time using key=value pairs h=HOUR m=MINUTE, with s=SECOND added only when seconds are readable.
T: h=11 m=35 s=26
